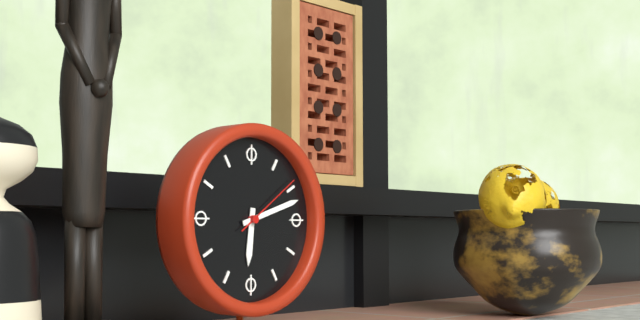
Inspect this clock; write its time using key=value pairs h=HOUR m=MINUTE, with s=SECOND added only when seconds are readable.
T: h=6 m=12 s=9
